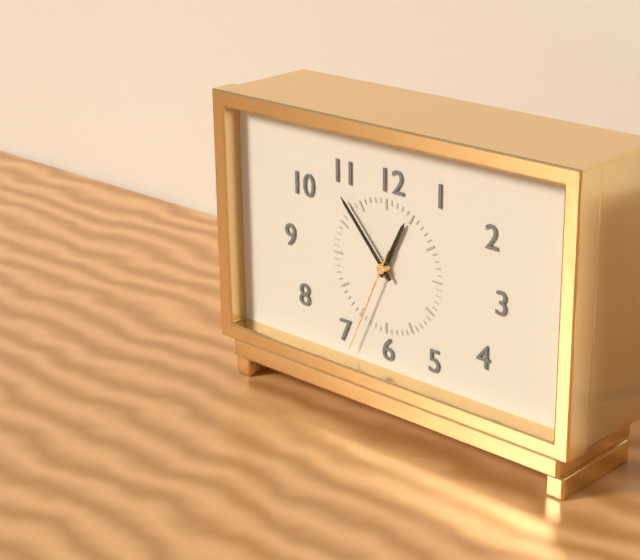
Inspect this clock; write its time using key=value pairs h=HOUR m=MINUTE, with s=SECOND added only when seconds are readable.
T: h=12 m=53 s=34
